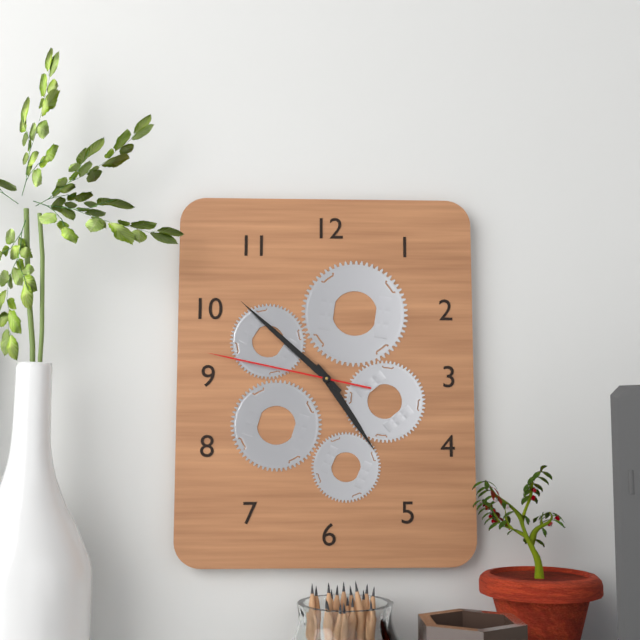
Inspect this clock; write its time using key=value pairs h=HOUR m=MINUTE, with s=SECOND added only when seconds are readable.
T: h=4 m=52 s=47
